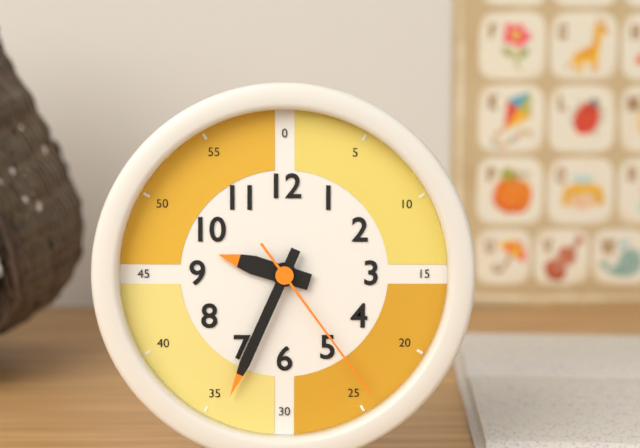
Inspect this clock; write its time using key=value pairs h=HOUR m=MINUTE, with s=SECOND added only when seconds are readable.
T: h=9 m=34 s=24
